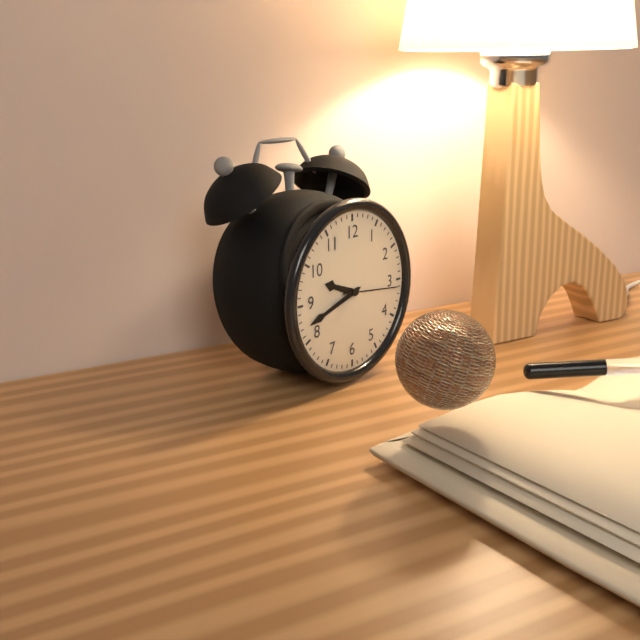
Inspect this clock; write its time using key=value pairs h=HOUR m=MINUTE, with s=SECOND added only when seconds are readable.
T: h=9 m=42 s=16
